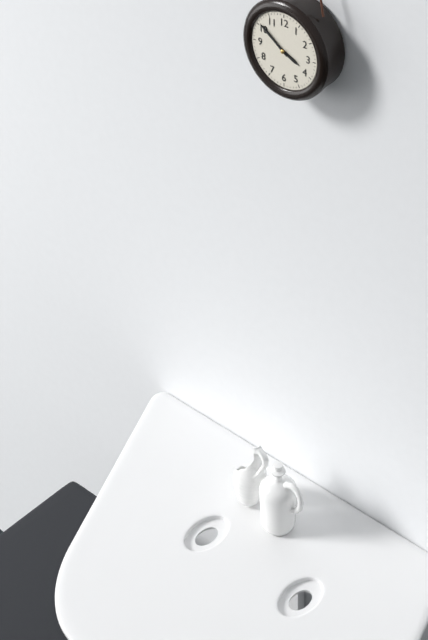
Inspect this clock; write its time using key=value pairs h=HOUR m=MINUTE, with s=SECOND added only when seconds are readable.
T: h=3 m=51
